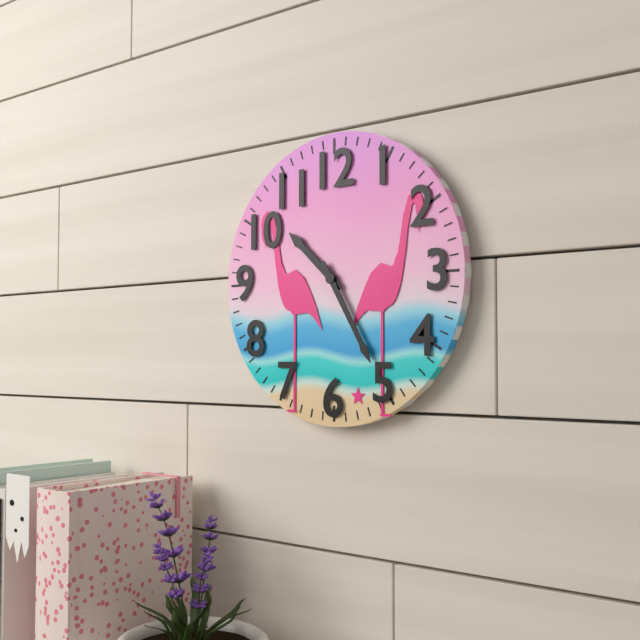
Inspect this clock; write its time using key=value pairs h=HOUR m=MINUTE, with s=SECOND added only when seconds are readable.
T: h=10 m=25
